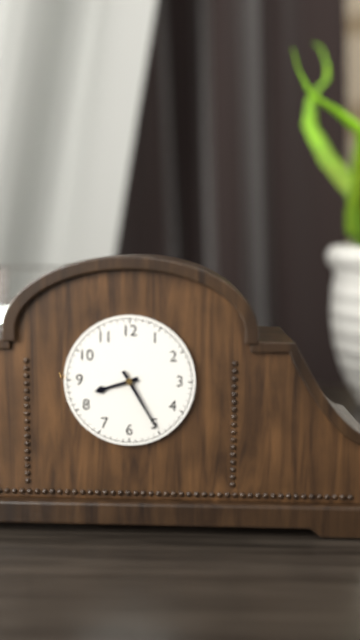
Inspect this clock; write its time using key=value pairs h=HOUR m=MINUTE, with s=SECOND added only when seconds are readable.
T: h=8 m=25
